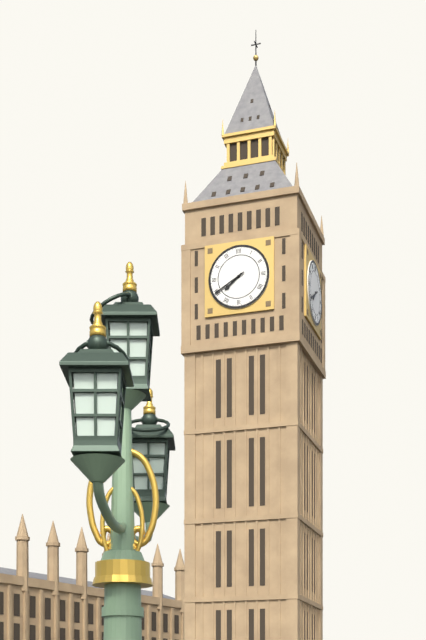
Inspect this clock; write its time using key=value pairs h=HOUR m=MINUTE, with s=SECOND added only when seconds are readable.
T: h=7 m=40
